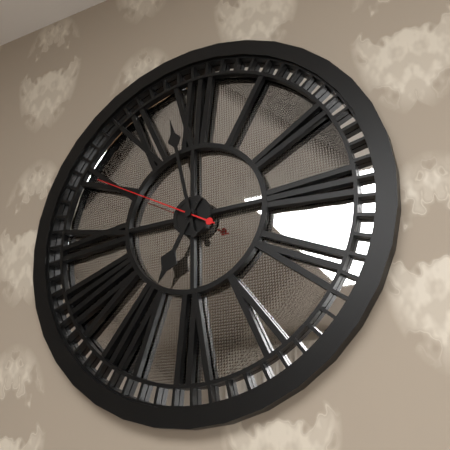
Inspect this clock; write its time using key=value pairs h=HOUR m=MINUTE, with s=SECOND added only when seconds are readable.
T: h=6 m=58 s=50
